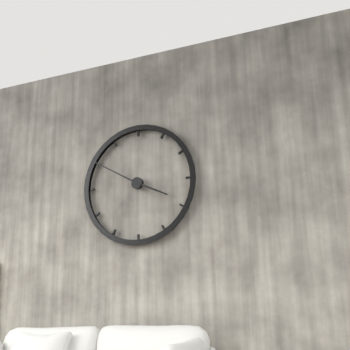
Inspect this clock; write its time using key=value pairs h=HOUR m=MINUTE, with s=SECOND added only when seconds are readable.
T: h=3 m=50
